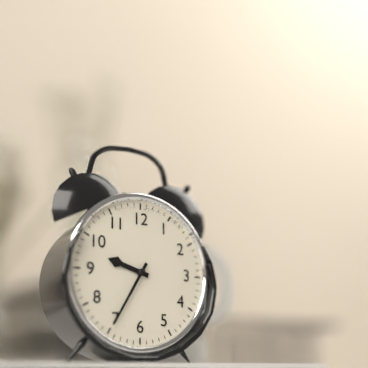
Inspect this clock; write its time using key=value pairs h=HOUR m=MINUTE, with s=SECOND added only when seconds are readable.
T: h=9 m=35
